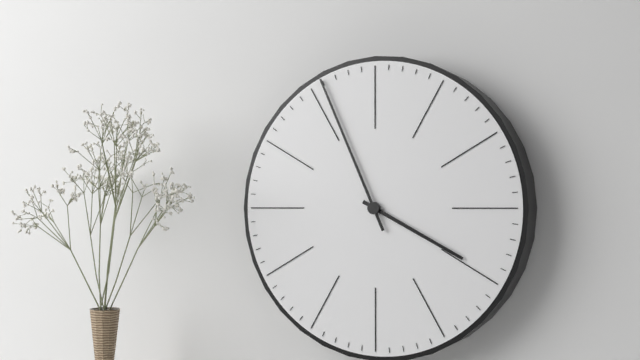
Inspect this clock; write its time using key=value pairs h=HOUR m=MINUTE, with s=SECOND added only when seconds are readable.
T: h=3 m=56
